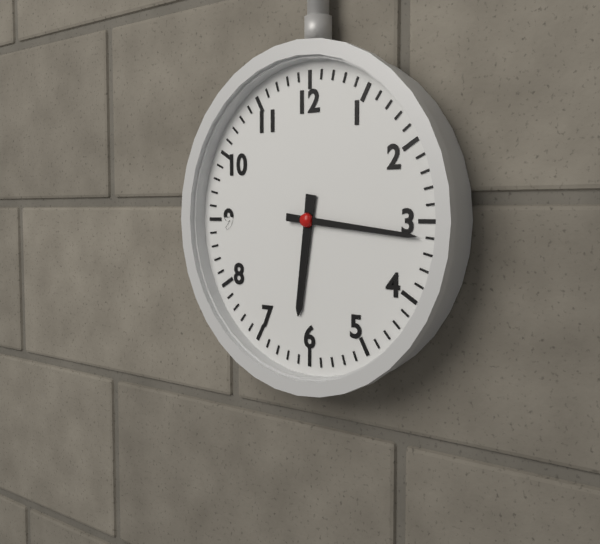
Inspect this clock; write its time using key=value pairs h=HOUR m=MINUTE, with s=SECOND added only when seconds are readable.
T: h=6 m=16
